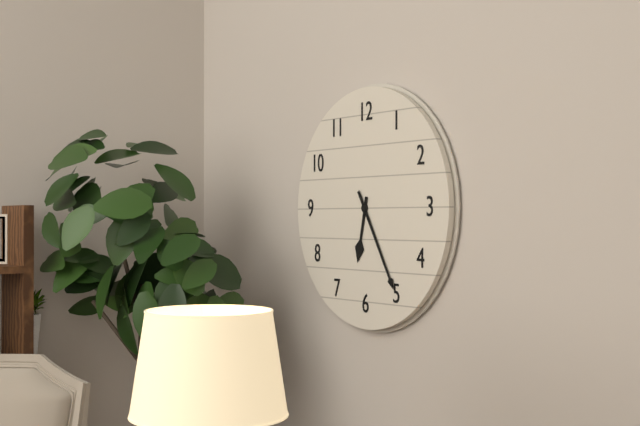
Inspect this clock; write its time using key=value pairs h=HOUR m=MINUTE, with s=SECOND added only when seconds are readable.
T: h=6 m=25
